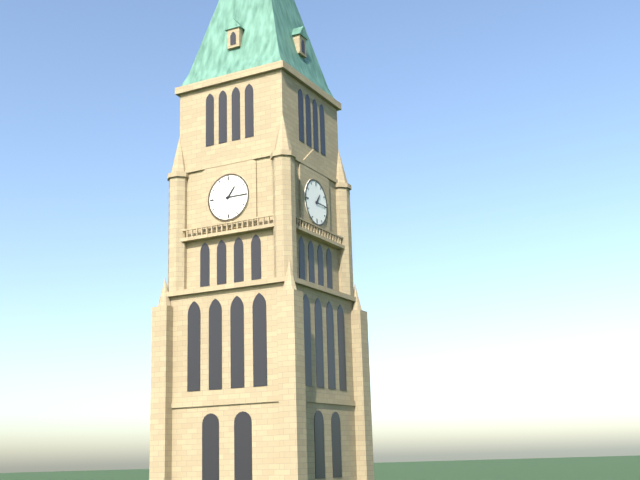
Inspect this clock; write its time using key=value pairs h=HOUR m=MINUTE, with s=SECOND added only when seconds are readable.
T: h=1 m=15
